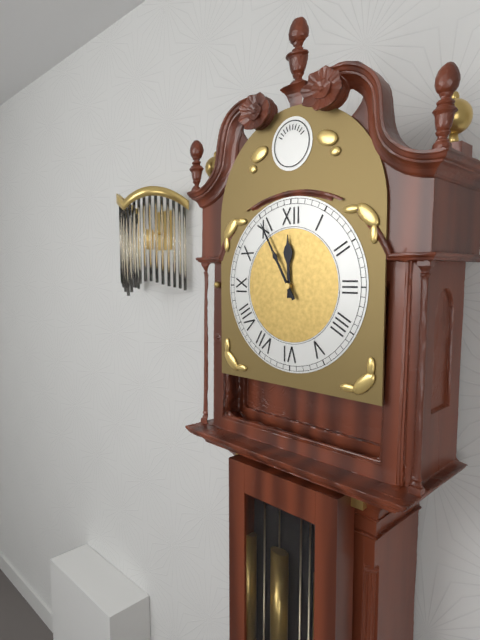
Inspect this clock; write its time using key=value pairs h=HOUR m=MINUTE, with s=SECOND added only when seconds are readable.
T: h=11 m=55
